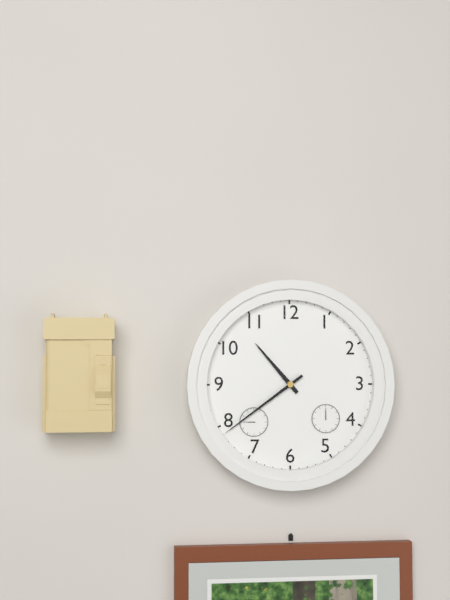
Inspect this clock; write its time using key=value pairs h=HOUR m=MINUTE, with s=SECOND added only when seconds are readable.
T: h=10 m=39
